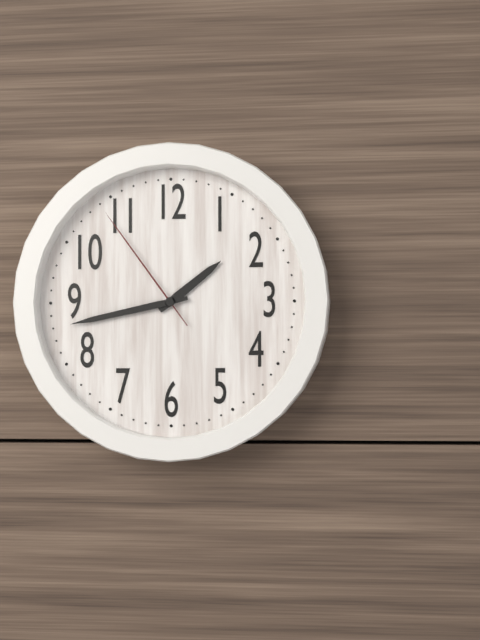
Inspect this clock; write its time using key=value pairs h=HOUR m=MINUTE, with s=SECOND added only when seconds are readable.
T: h=1 m=43 s=54
